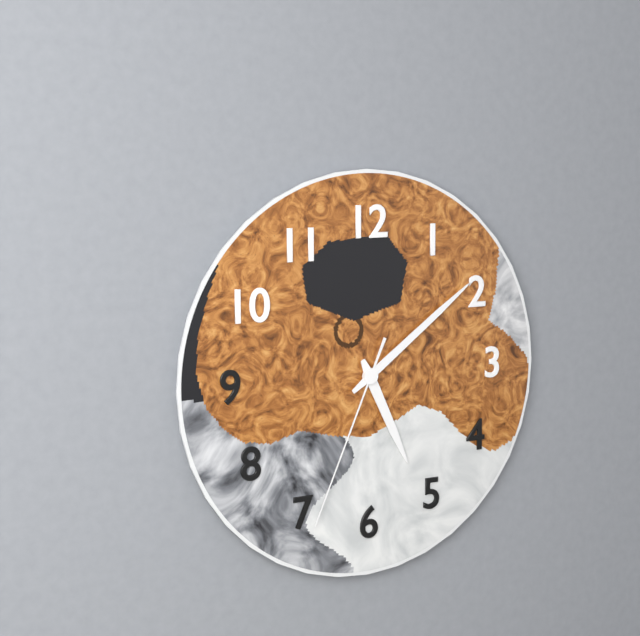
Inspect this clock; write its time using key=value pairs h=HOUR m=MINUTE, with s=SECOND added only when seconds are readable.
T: h=5 m=9 s=34
